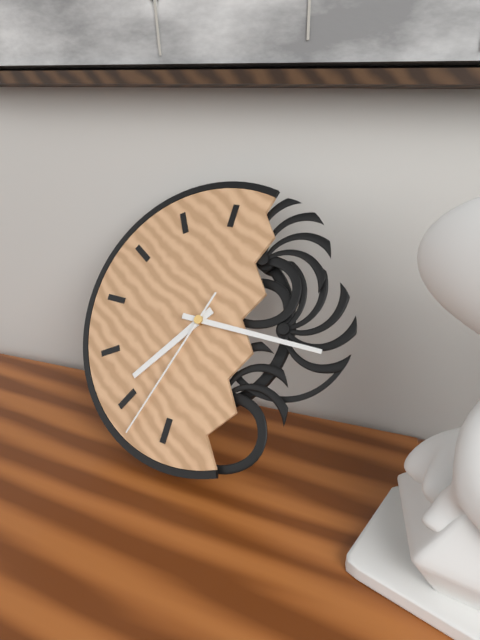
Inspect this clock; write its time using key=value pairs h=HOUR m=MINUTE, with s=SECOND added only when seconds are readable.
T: h=7 m=15 s=33
